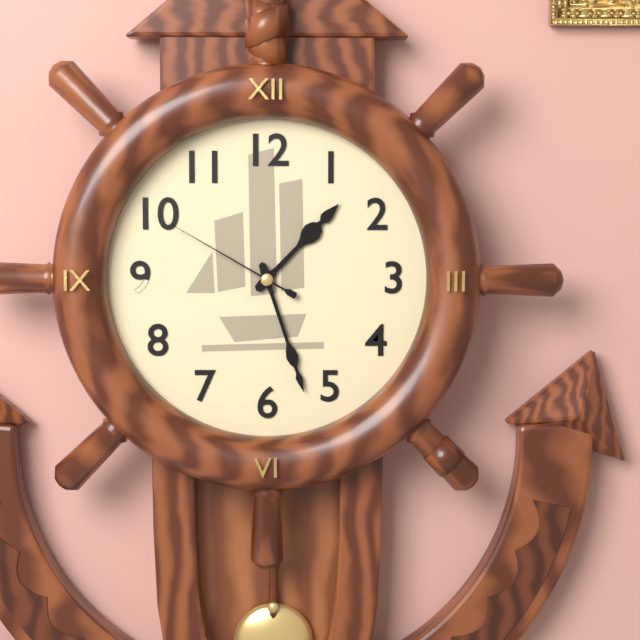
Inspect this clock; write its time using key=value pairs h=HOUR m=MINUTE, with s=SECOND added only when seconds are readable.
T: h=1 m=27 s=50
